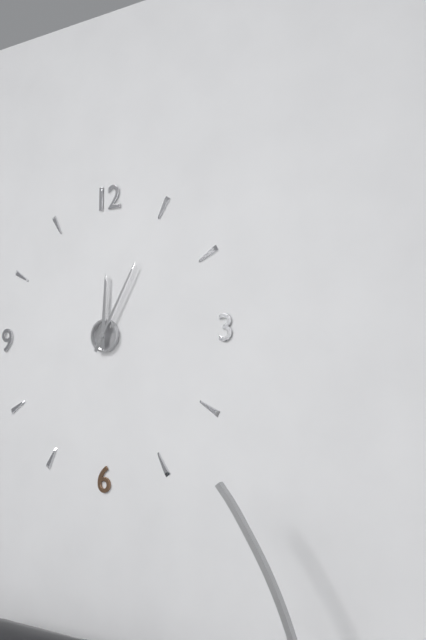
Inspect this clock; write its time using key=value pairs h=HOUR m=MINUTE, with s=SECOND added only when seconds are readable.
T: h=12 m=5
